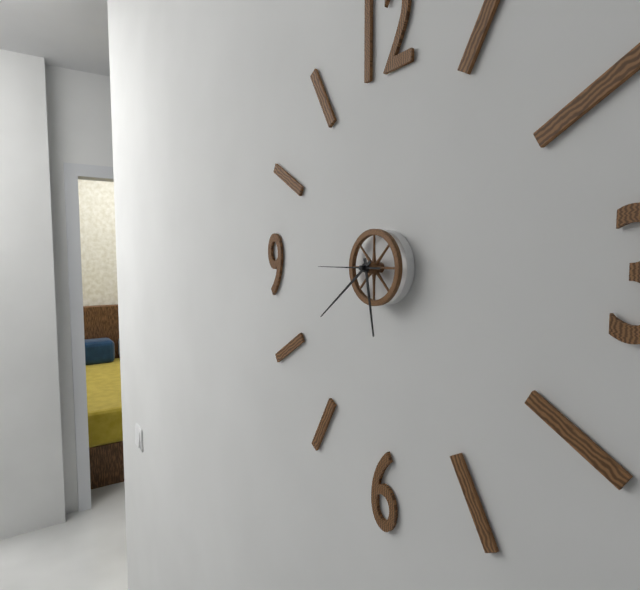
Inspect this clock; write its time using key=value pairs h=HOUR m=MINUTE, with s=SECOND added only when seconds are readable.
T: h=5 m=39 s=45
